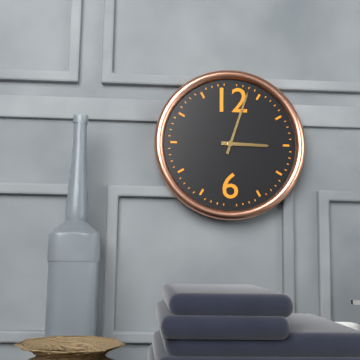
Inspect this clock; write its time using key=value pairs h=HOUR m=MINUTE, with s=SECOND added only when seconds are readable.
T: h=3 m=3
